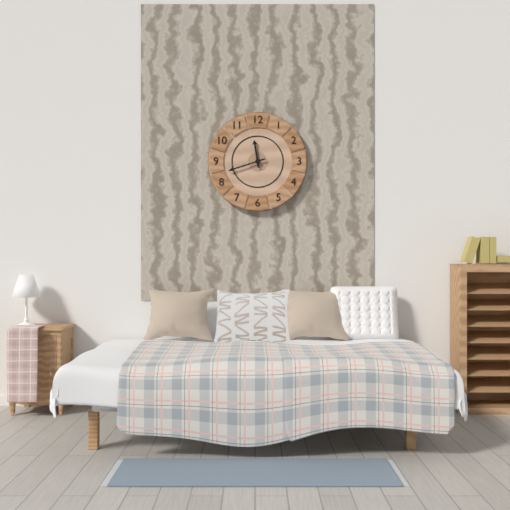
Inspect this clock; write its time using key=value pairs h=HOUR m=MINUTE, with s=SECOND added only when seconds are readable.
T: h=11 m=42
